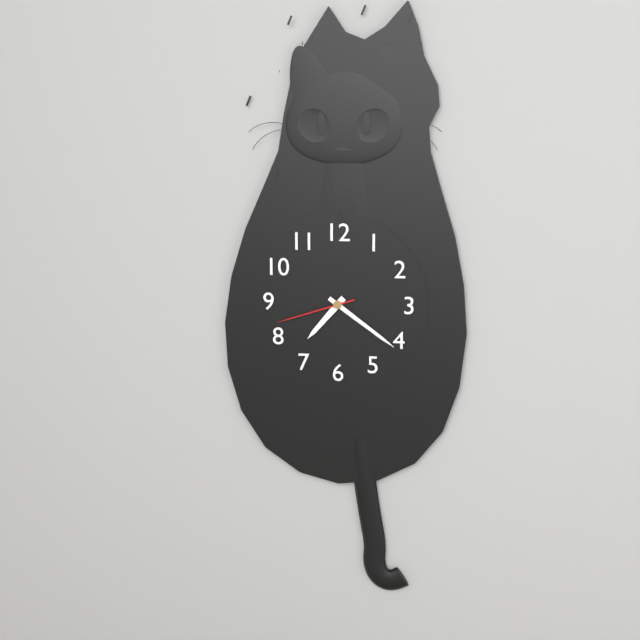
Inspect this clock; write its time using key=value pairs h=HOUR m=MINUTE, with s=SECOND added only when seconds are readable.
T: h=7 m=21 s=42
